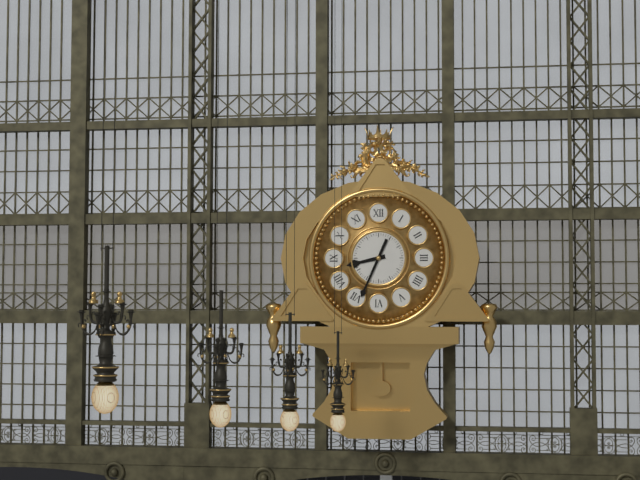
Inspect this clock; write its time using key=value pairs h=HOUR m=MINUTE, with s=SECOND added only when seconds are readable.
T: h=8 m=34
